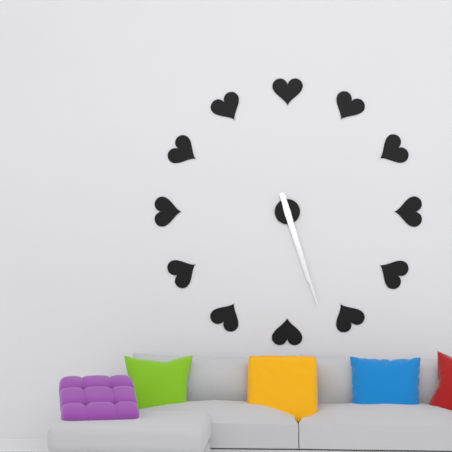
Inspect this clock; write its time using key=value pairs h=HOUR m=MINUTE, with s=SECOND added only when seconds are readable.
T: h=5 m=27
